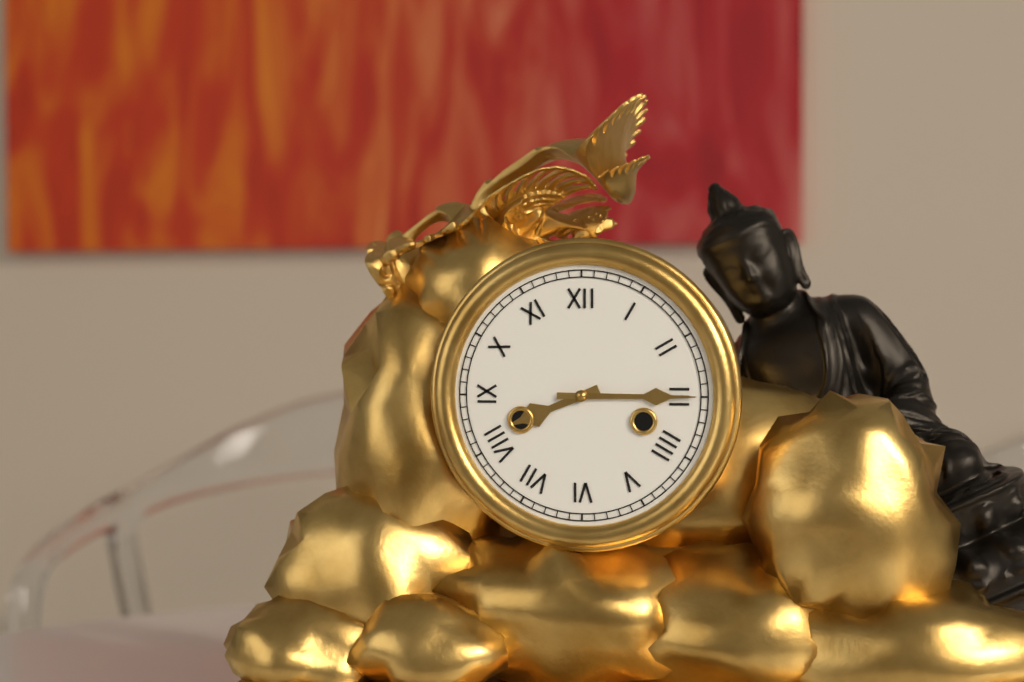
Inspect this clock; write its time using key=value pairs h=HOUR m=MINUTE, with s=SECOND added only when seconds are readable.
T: h=8 m=15
